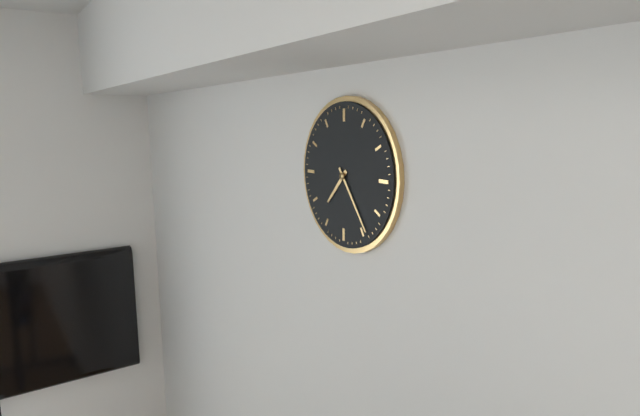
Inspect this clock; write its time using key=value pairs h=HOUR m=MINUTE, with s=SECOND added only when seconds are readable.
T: h=7 m=24
